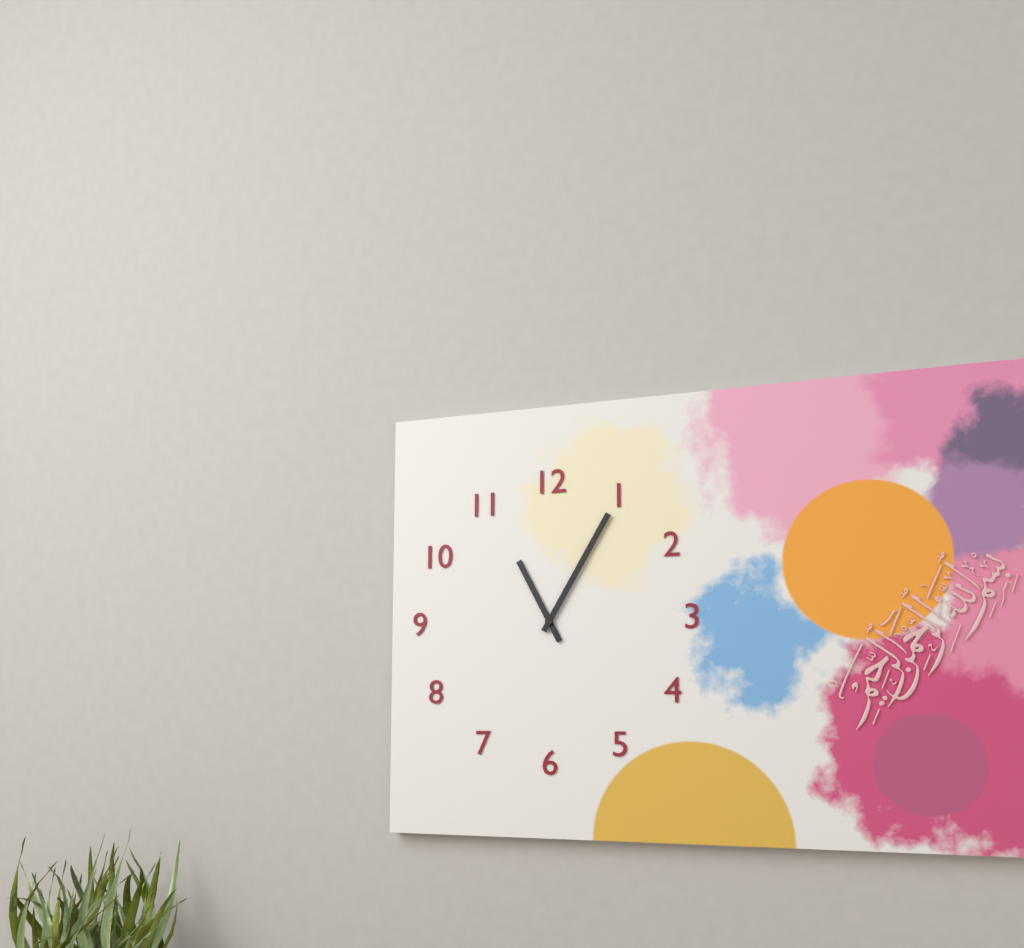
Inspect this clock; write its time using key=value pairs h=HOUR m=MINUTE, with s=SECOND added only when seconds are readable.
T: h=11 m=5
